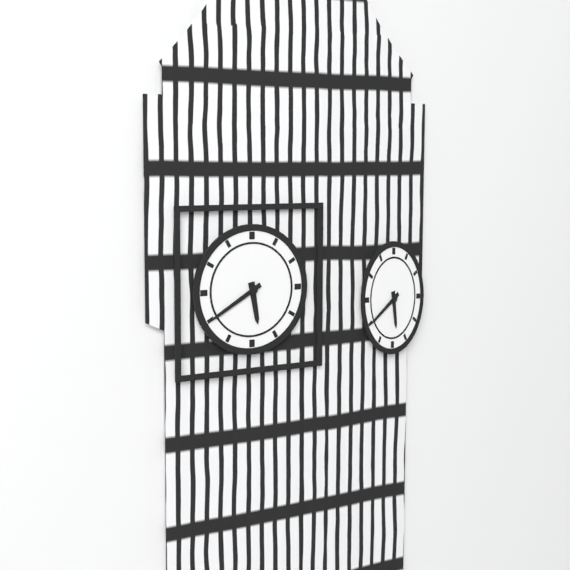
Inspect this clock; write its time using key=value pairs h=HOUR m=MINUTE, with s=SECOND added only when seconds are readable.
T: h=5 m=40
